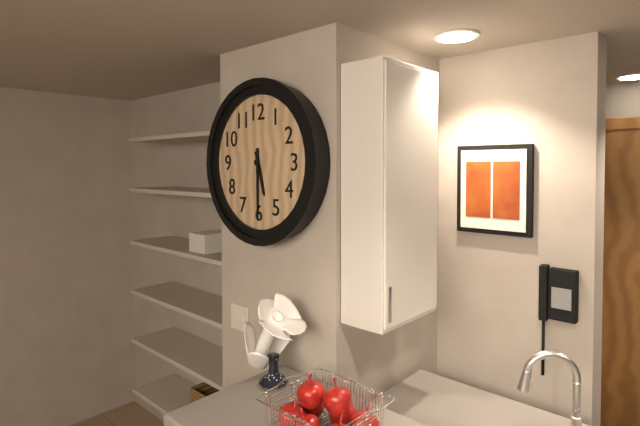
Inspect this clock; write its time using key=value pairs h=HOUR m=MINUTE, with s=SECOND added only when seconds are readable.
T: h=5 m=30
